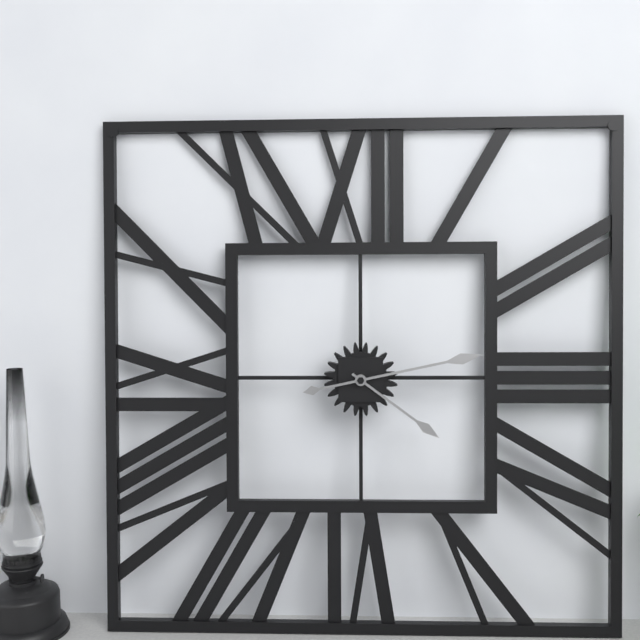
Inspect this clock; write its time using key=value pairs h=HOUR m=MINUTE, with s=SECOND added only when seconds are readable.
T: h=4 m=13
